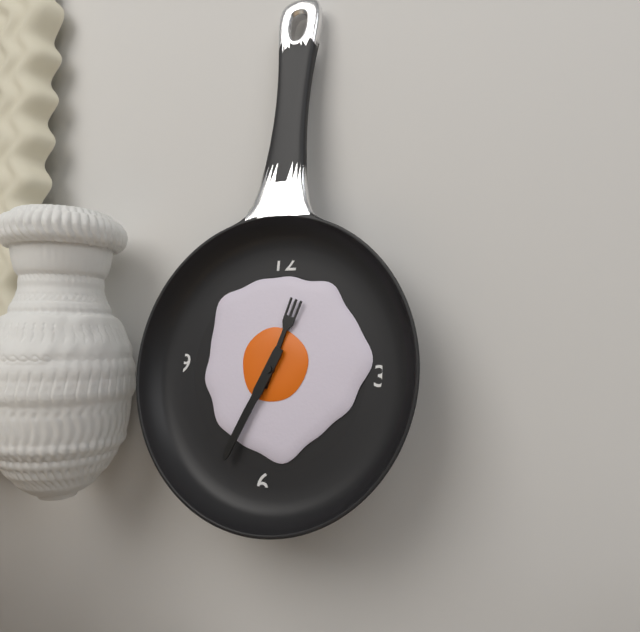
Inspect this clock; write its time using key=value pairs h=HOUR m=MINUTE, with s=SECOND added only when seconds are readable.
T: h=12 m=34
